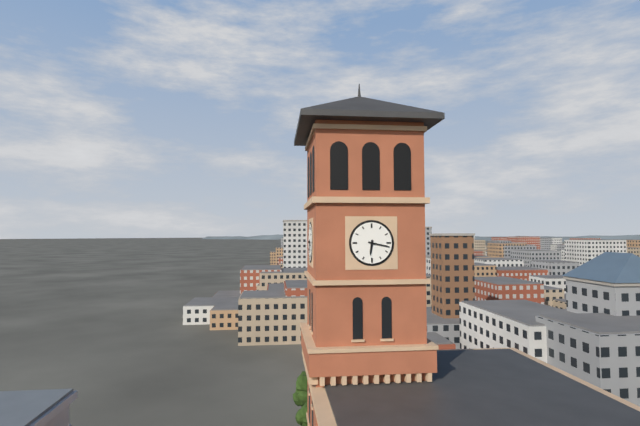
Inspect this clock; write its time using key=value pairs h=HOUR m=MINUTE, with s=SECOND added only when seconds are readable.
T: h=6 m=17
